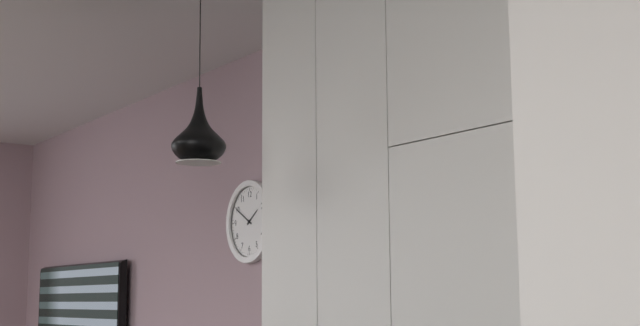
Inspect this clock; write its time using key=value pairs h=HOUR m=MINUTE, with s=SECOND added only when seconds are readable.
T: h=1 m=50
